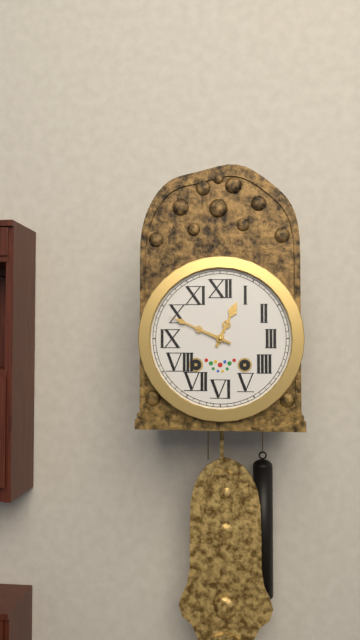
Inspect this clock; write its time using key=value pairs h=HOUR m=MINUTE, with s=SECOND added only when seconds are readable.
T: h=12 m=49
